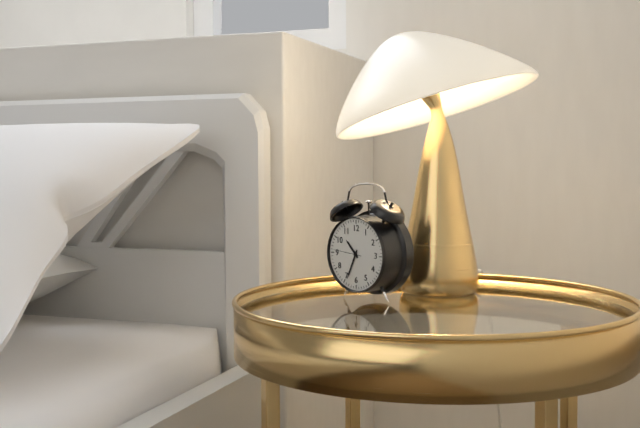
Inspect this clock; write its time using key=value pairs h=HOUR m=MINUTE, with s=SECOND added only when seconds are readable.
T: h=10 m=34
